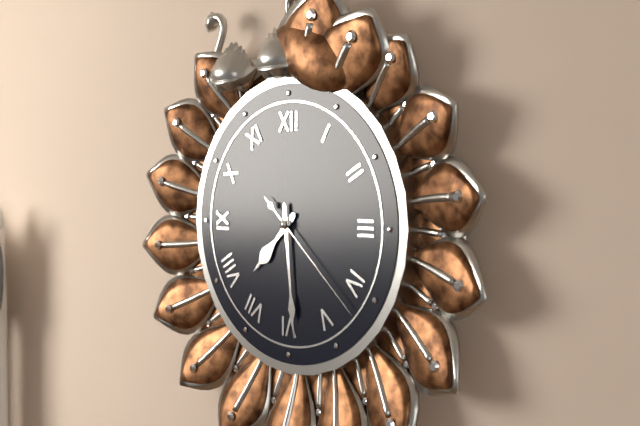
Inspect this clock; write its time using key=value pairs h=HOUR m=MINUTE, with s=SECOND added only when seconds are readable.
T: h=7 m=29 s=22
